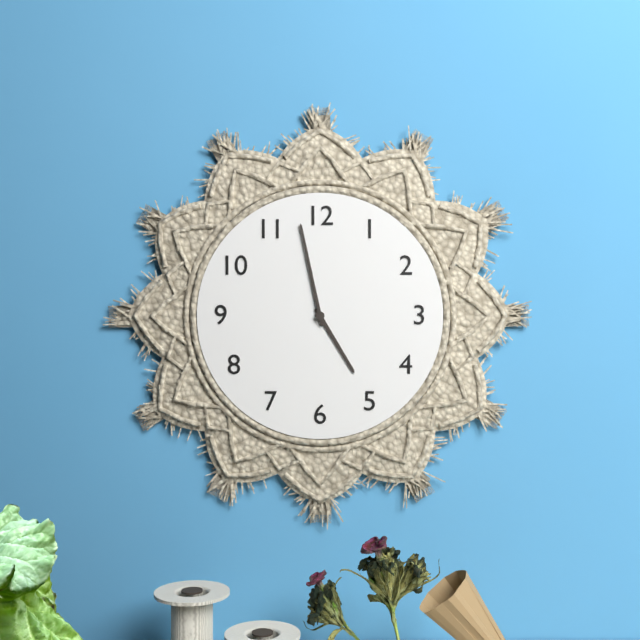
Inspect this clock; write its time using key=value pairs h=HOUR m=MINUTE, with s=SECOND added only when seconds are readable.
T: h=4 m=58
